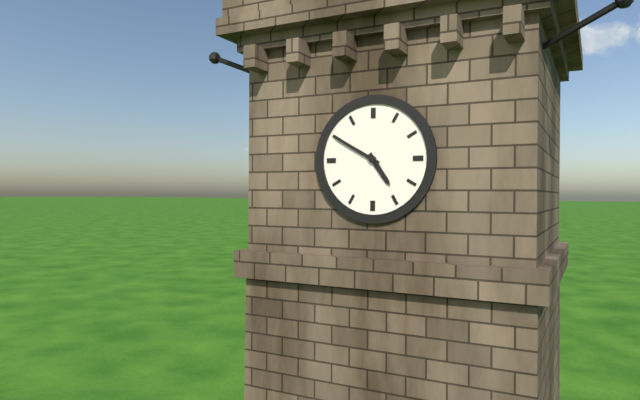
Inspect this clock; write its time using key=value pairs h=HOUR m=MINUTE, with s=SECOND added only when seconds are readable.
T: h=4 m=50
